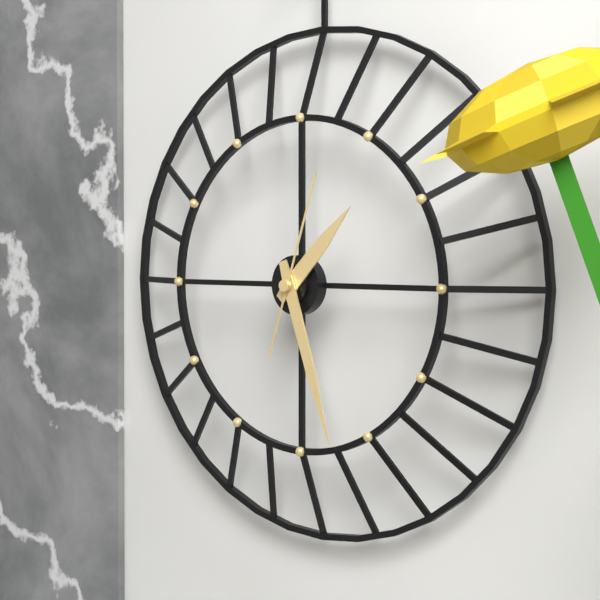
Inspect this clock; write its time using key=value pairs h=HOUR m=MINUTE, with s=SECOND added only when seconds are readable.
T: h=1 m=27 s=3
